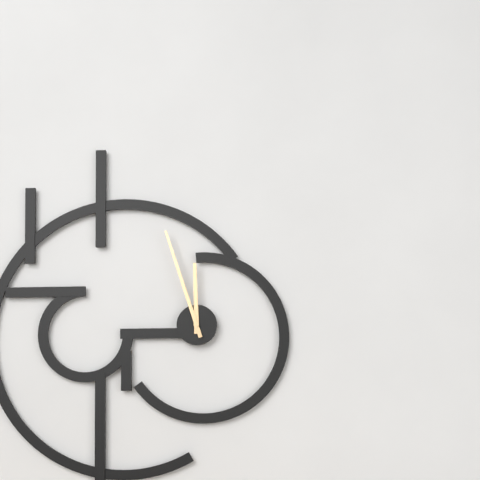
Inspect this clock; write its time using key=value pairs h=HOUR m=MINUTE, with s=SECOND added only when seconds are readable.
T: h=11 m=57
